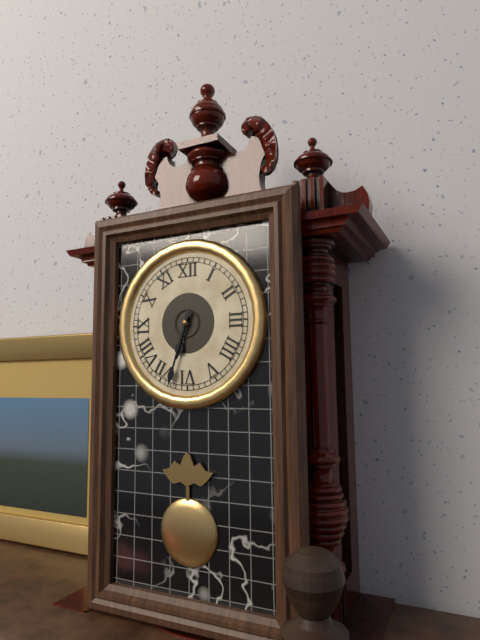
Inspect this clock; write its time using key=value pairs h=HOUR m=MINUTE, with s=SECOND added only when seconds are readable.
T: h=6 m=33
